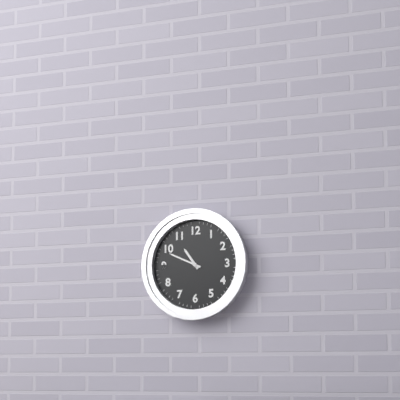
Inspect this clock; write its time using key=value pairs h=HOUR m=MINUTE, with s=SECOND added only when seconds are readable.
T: h=10 m=49
